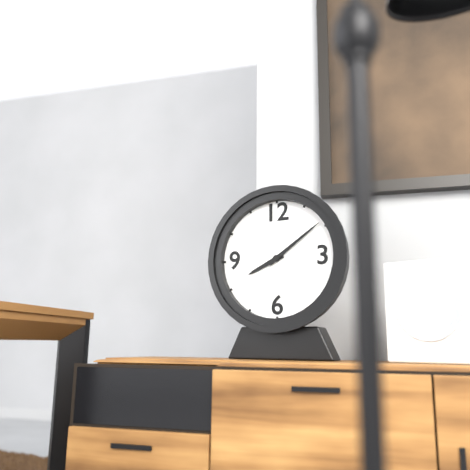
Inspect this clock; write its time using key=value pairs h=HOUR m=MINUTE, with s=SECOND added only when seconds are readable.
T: h=8 m=9
